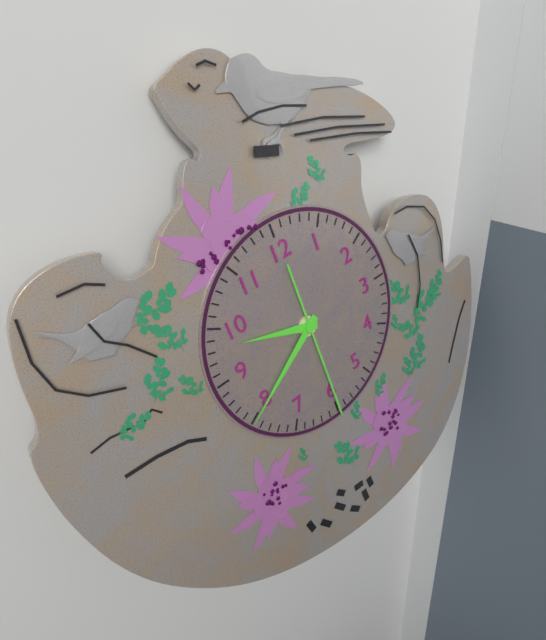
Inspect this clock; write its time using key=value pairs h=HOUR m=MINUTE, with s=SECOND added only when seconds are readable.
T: h=9 m=40 s=30
